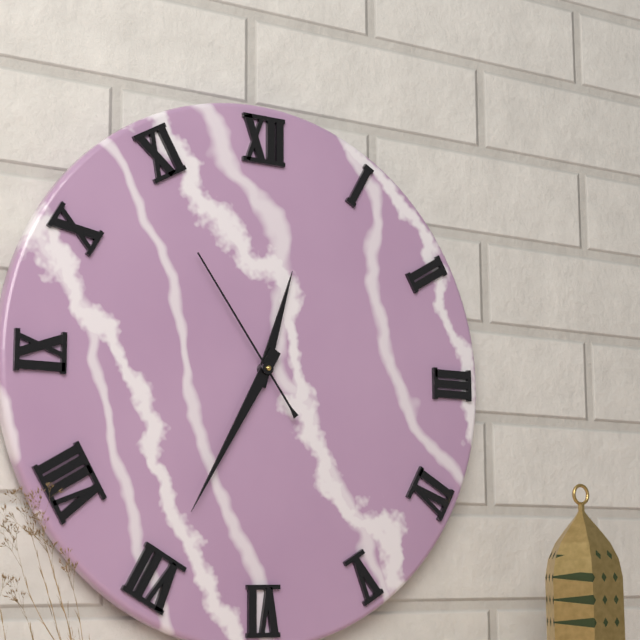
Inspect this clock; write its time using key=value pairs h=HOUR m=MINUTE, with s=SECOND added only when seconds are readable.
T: h=12 m=35 s=54
